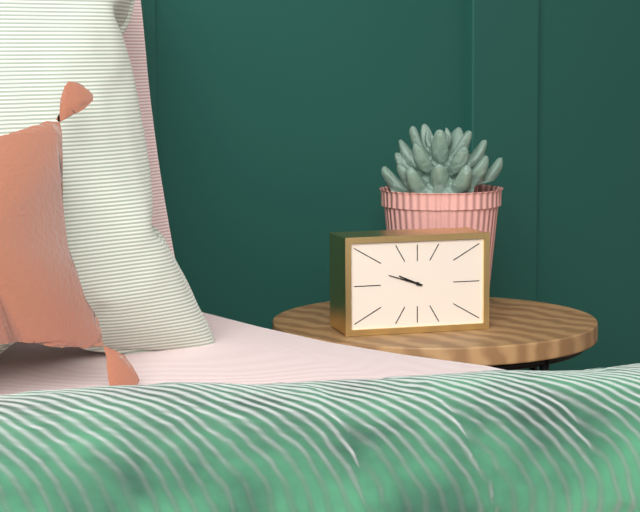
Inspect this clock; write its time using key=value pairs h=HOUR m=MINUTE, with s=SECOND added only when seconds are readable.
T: h=9 m=48
